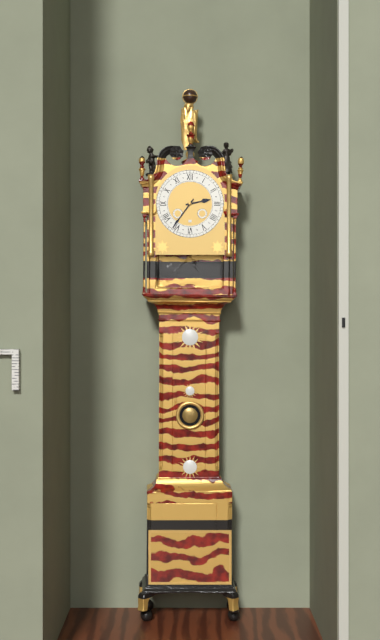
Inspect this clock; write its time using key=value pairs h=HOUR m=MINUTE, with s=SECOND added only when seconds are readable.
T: h=2 m=36
